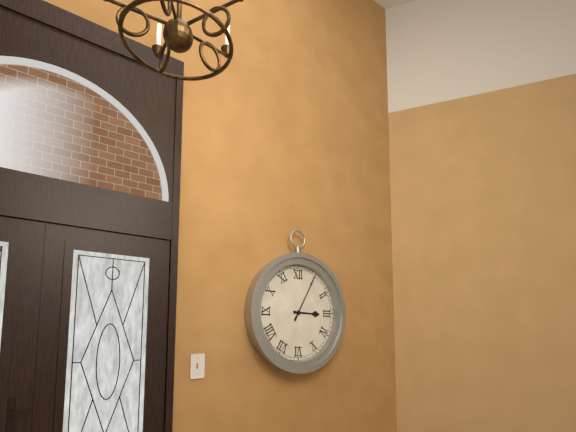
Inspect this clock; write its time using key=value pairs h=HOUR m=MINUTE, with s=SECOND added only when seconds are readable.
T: h=3 m=5
